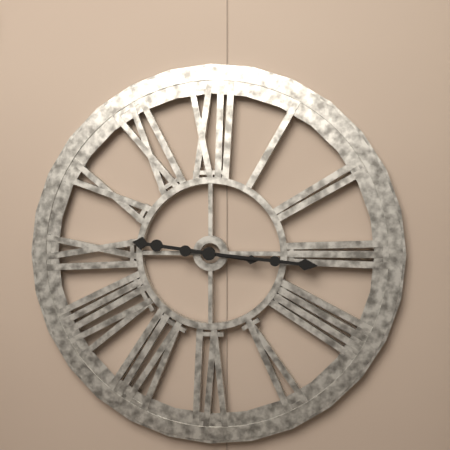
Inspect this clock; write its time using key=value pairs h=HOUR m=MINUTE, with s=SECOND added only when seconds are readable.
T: h=9 m=16
